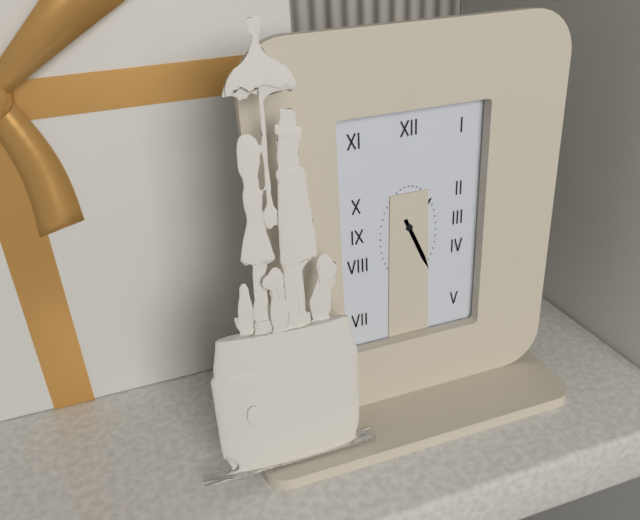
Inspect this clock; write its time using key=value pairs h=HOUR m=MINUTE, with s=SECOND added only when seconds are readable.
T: h=1 m=26
